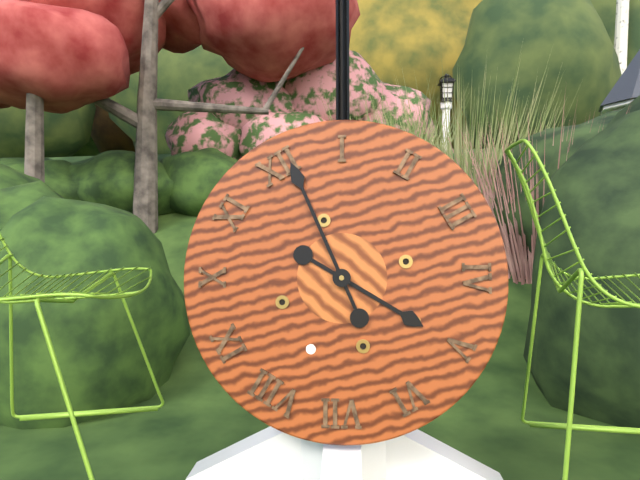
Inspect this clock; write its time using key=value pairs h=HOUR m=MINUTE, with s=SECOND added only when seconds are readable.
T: h=5 m=1
